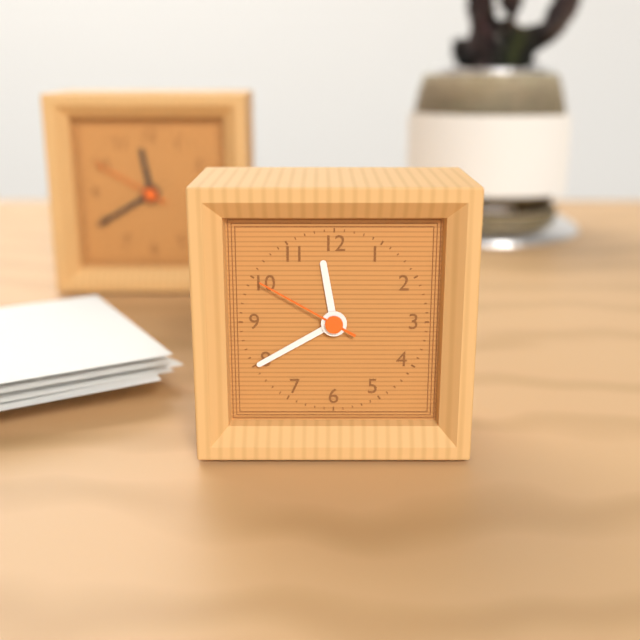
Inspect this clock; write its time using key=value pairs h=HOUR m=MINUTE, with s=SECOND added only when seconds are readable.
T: h=11 m=40 s=50
